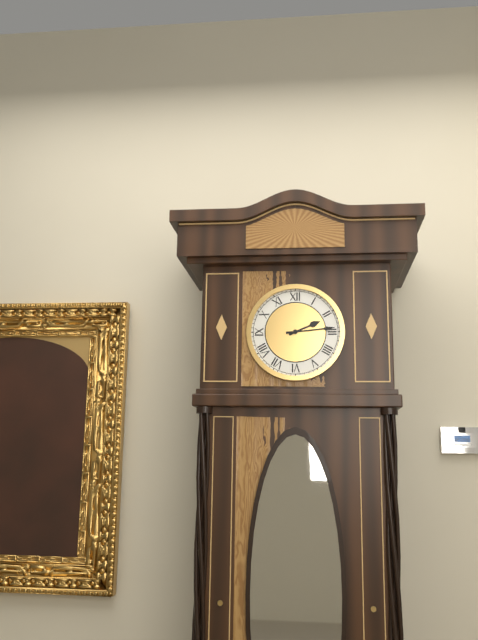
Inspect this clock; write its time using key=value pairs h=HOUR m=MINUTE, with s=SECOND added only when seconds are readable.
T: h=2 m=14
